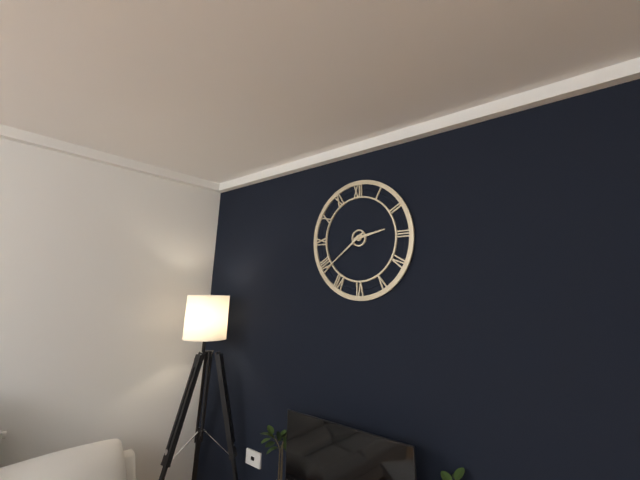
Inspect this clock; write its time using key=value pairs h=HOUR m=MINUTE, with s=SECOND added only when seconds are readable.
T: h=2 m=39
